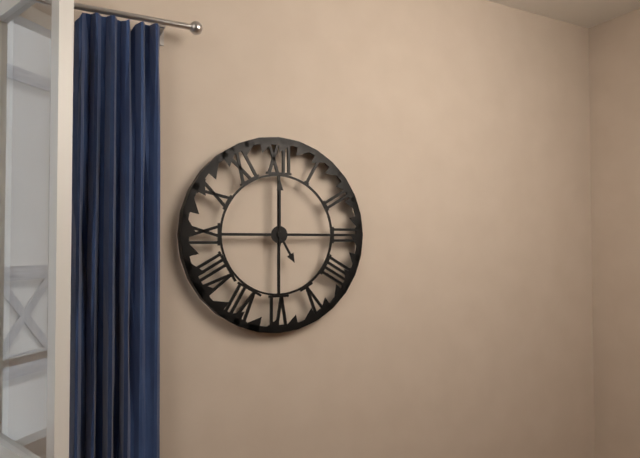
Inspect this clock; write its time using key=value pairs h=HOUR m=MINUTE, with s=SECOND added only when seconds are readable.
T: h=5 m=0
